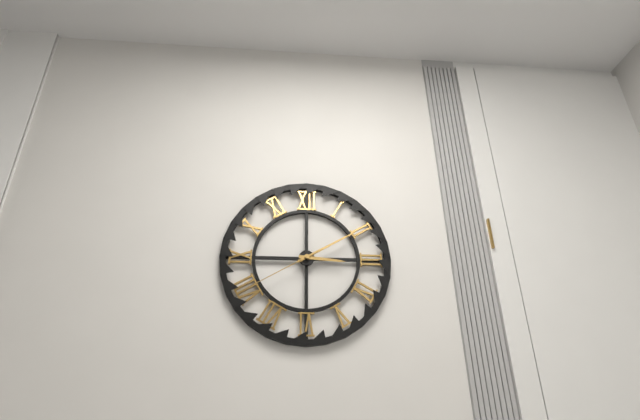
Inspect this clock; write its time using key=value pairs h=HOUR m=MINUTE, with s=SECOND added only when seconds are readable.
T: h=3 m=10 s=40
